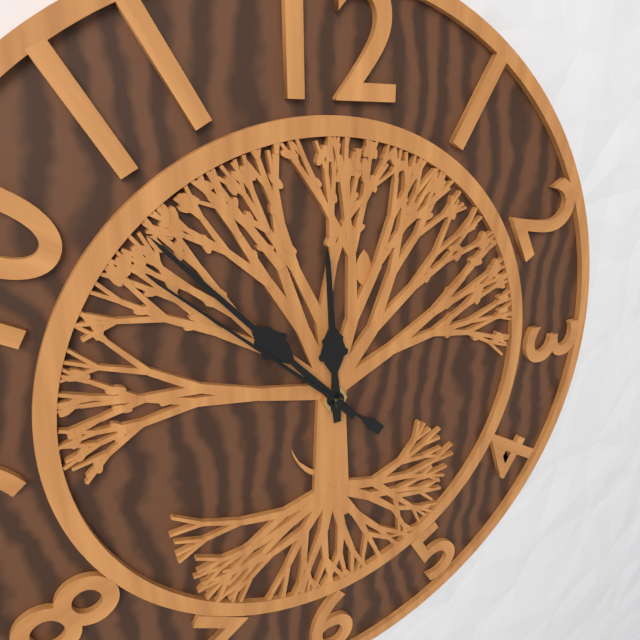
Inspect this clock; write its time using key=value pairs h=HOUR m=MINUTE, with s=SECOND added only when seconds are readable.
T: h=11 m=53 s=52
